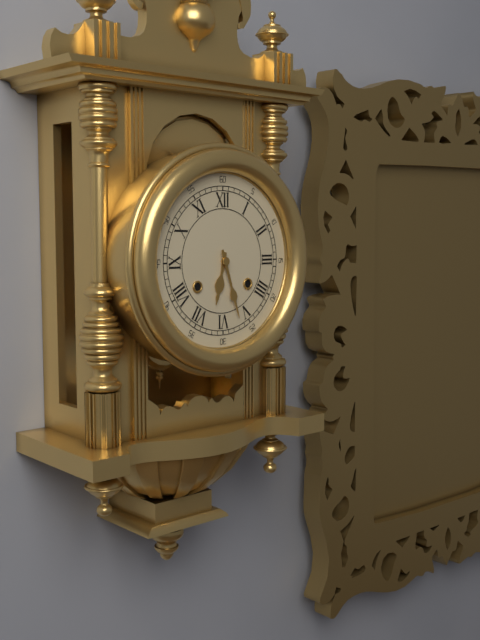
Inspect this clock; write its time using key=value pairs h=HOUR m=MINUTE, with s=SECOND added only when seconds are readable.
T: h=6 m=27
